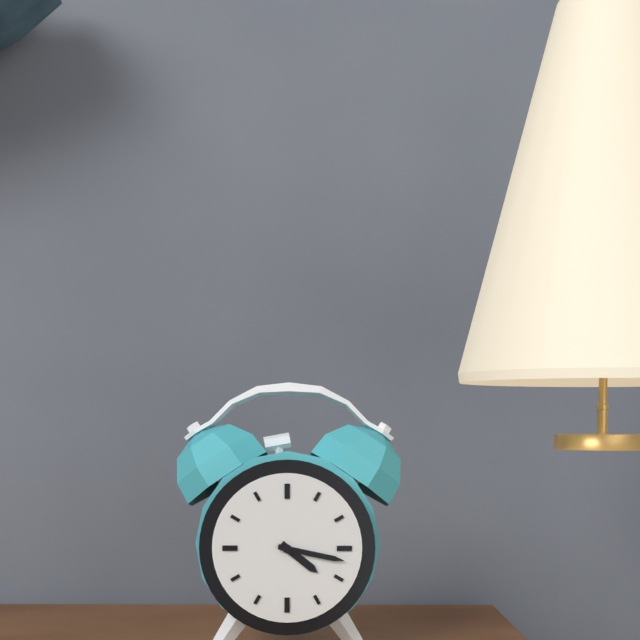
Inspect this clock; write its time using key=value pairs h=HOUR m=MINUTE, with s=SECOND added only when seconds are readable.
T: h=4 m=17
